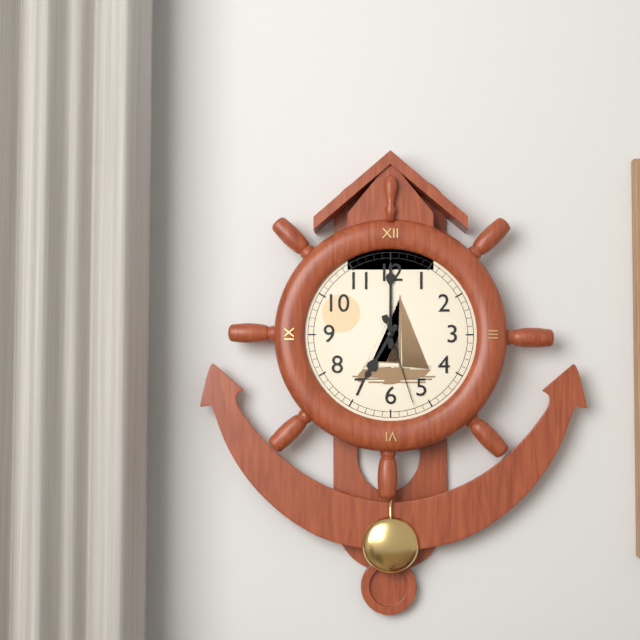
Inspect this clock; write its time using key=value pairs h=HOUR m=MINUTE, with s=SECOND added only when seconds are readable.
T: h=7 m=0 s=27
